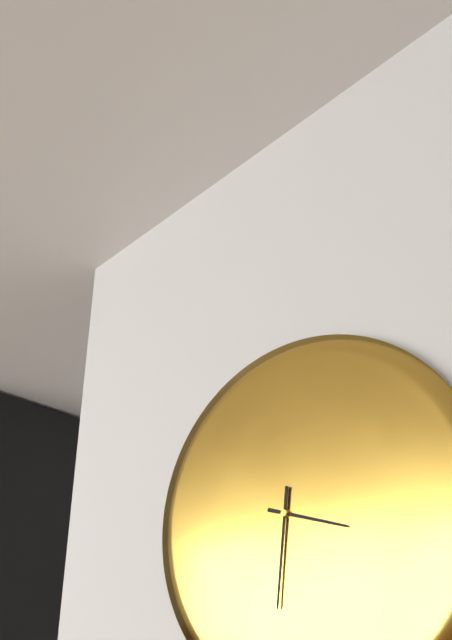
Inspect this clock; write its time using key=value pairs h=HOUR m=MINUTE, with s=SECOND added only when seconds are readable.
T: h=3 m=31
